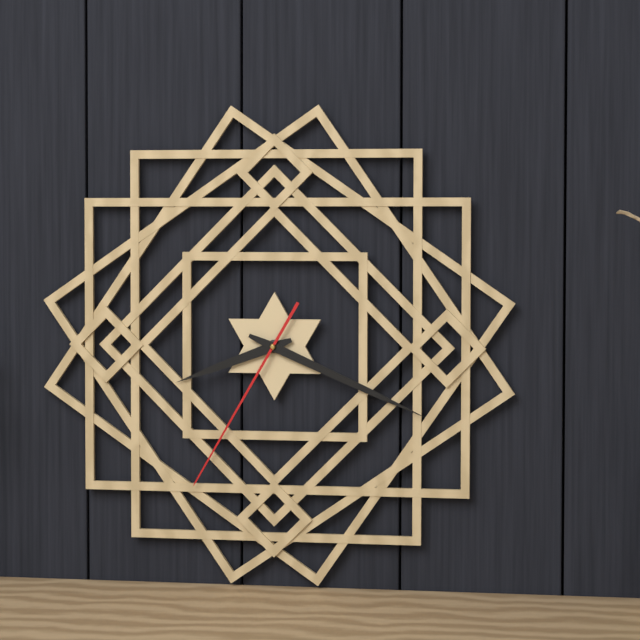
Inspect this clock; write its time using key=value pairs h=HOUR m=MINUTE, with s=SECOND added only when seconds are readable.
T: h=8 m=19 s=35
